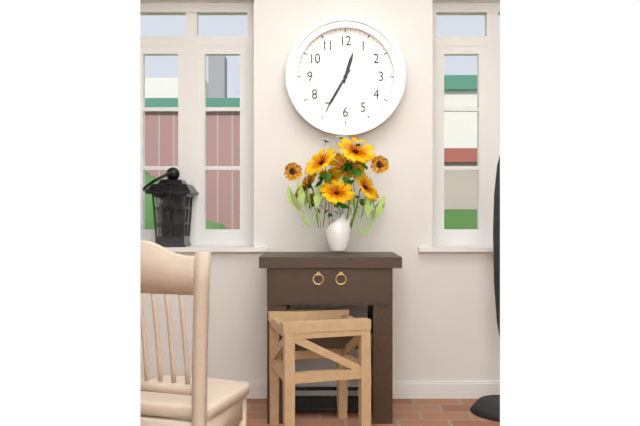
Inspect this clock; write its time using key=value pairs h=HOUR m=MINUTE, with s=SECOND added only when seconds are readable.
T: h=12 m=35
